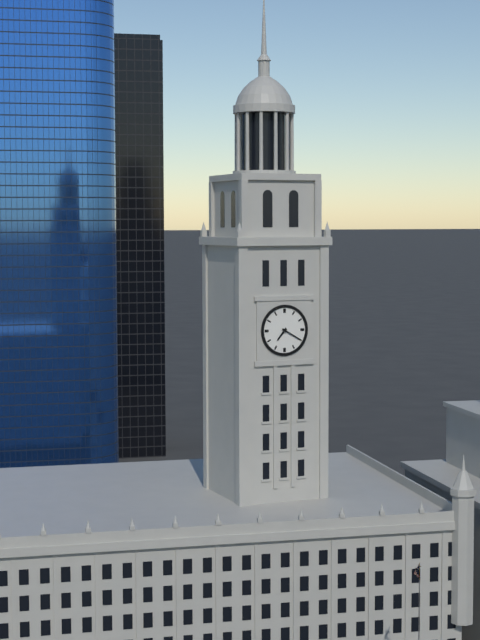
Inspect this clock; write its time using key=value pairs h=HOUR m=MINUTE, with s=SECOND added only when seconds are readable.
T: h=7 m=20
